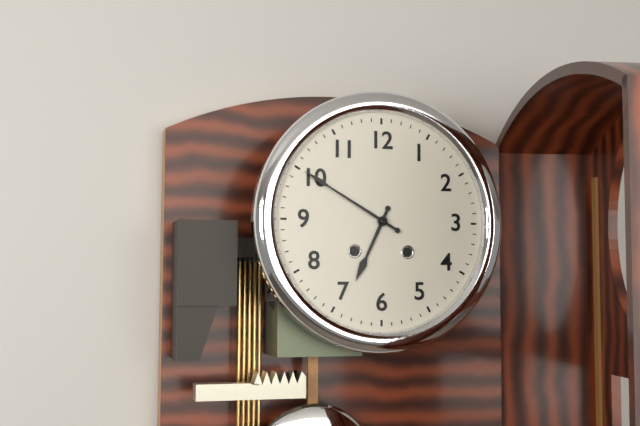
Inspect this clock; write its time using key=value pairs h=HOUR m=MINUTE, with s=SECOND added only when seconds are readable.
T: h=6 m=50
